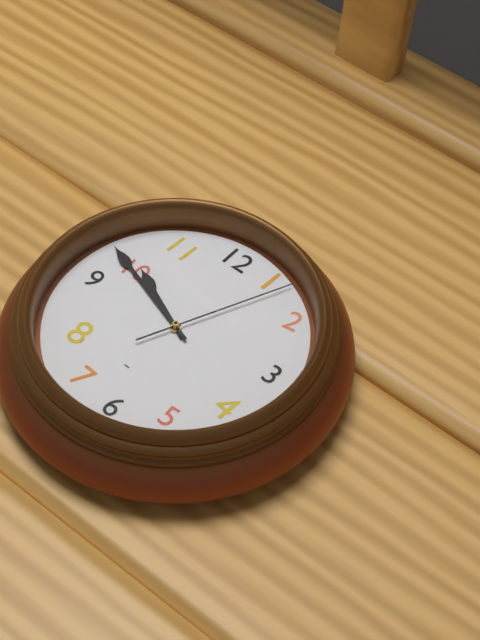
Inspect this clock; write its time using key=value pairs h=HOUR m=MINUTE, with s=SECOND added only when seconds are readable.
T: h=9 m=48 s=4
